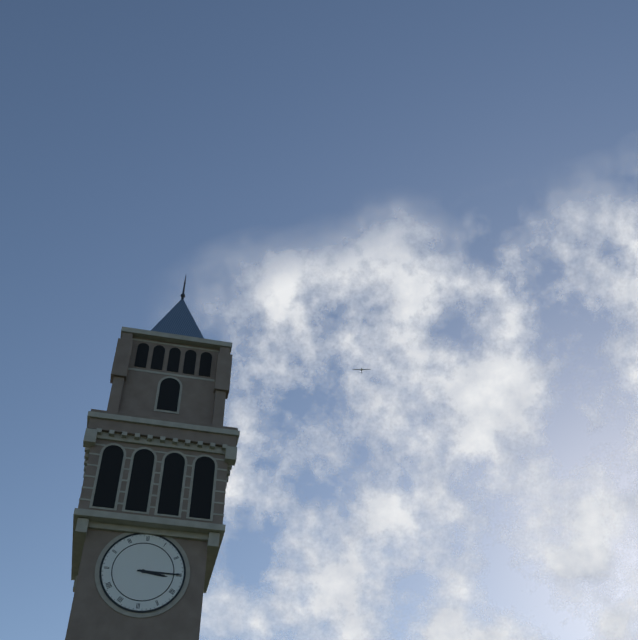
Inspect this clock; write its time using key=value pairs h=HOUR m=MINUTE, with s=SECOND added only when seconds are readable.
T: h=3 m=15
